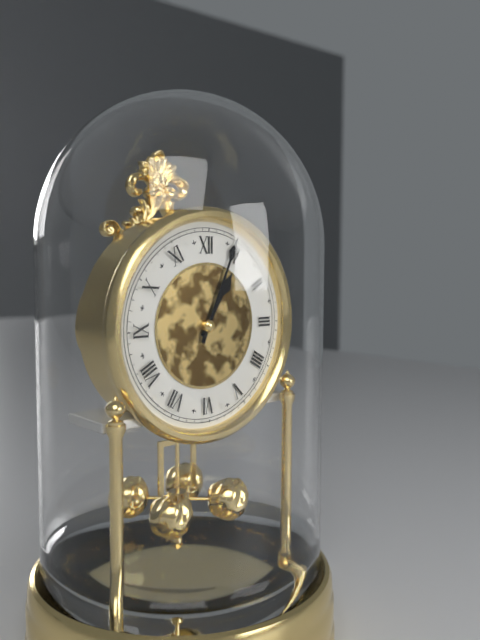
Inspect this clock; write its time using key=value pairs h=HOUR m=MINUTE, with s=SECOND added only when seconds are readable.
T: h=1 m=4
